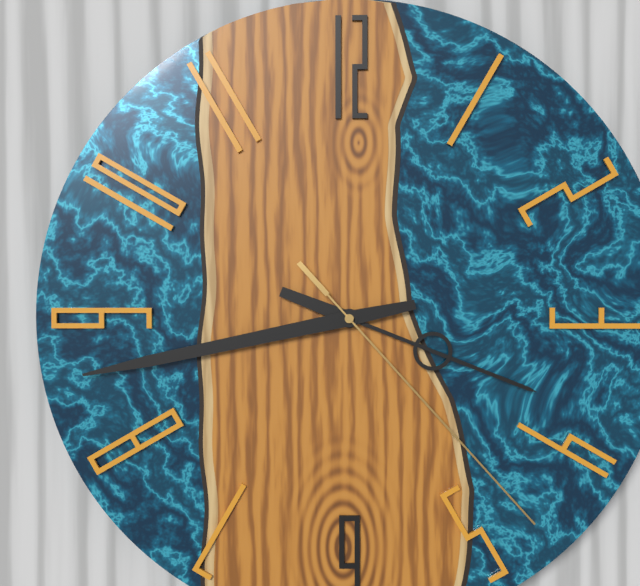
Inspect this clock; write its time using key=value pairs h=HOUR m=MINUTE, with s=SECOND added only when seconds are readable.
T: h=3 m=43 s=23
